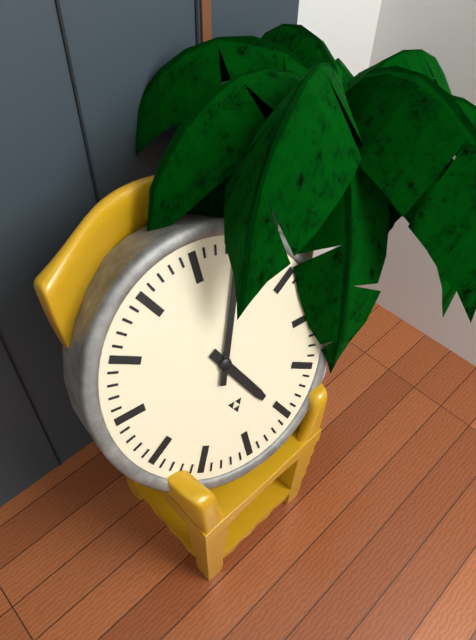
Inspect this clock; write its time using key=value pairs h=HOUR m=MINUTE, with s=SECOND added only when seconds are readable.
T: h=5 m=4
